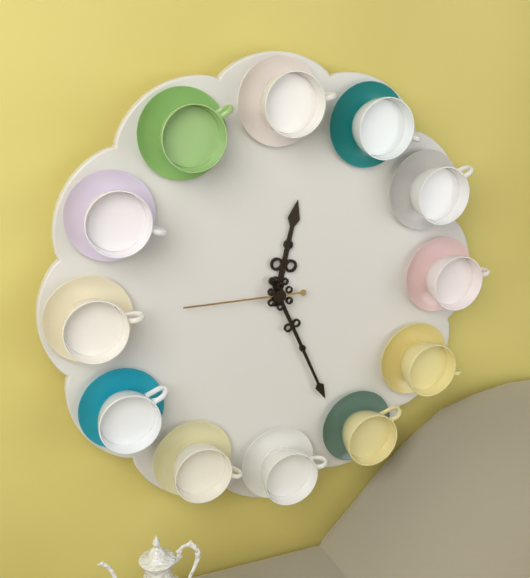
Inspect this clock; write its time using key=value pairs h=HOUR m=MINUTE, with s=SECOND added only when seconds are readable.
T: h=12 m=26 s=45
